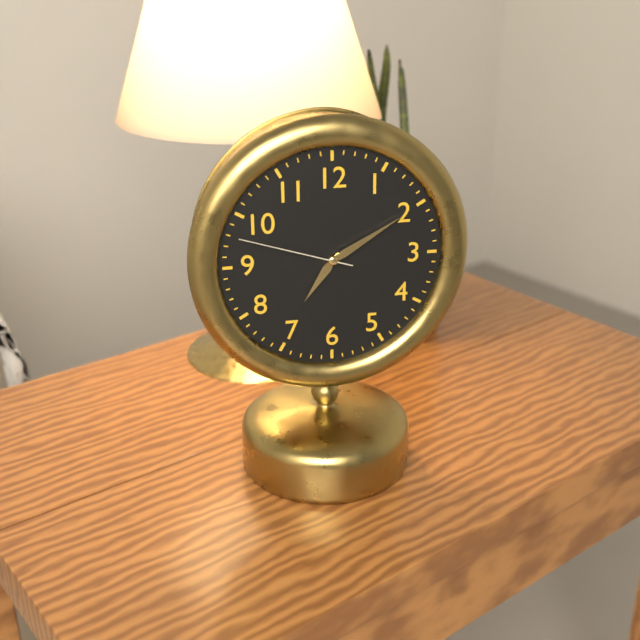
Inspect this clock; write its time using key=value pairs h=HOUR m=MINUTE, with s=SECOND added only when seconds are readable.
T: h=7 m=10 s=48
